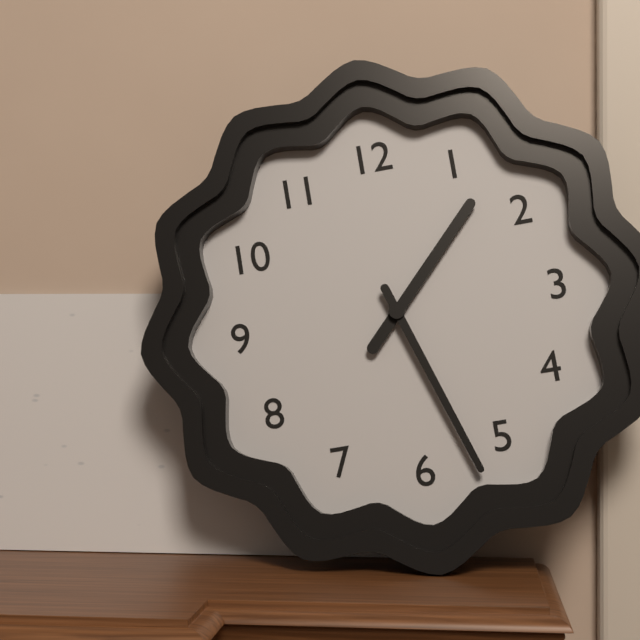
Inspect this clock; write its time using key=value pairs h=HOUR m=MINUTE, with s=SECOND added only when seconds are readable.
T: h=1 m=27
